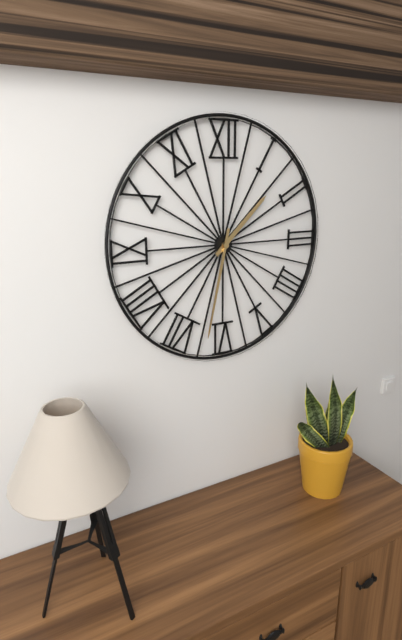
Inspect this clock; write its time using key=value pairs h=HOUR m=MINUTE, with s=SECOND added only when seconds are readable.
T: h=1 m=32
